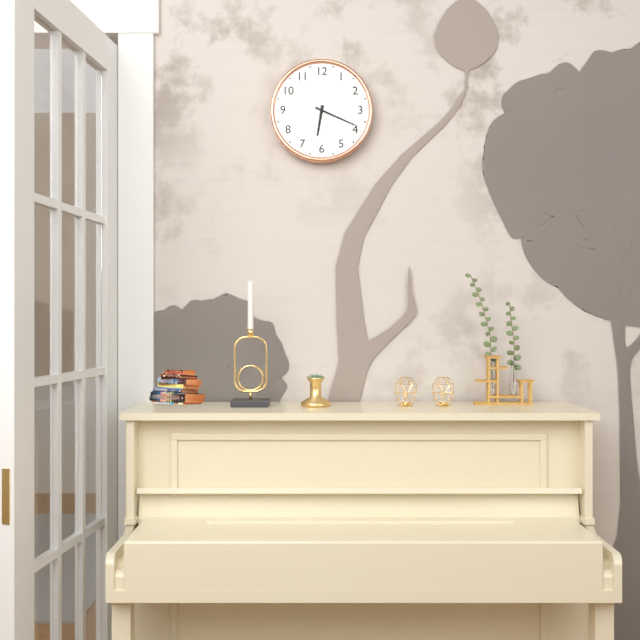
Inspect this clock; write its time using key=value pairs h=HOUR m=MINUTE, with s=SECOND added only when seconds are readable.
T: h=6 m=19
